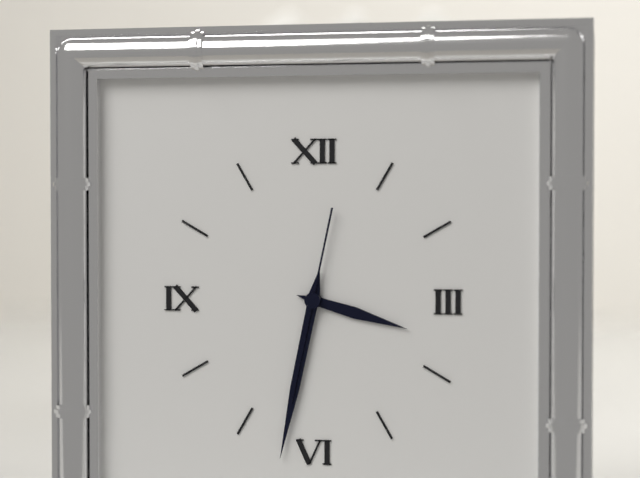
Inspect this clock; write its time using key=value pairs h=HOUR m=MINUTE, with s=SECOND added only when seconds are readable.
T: h=3 m=32 s=32
